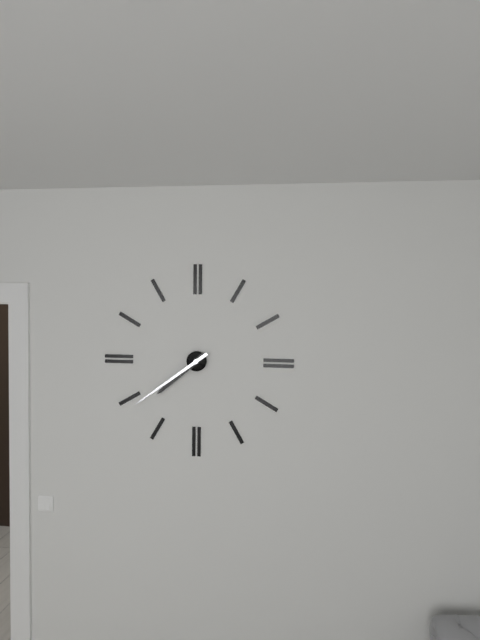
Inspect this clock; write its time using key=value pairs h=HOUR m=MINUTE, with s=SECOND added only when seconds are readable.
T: h=7 m=39
